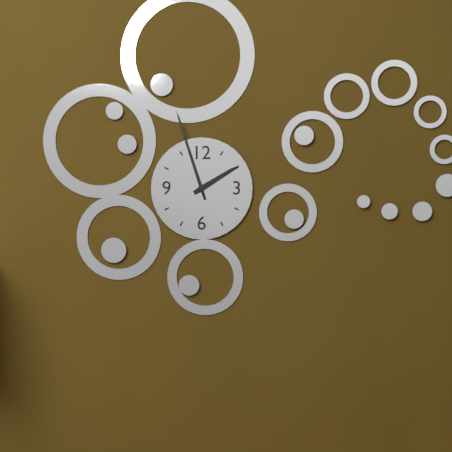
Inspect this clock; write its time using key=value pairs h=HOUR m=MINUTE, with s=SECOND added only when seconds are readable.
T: h=1 m=57
